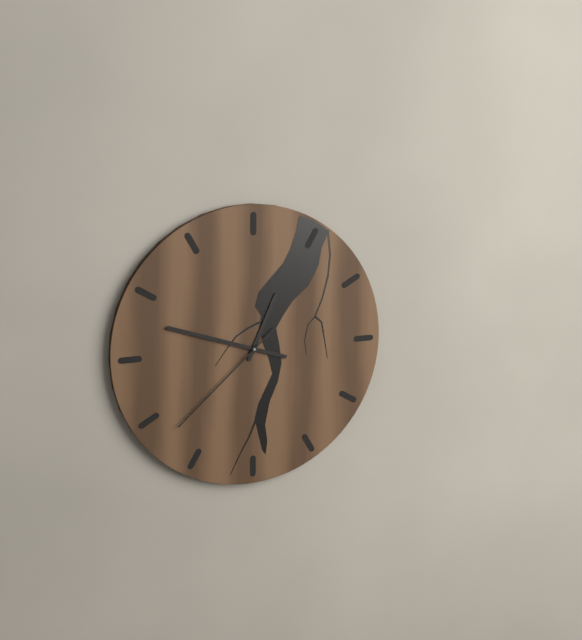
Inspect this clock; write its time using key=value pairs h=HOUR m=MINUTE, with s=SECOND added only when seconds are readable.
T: h=12 m=48 s=38
